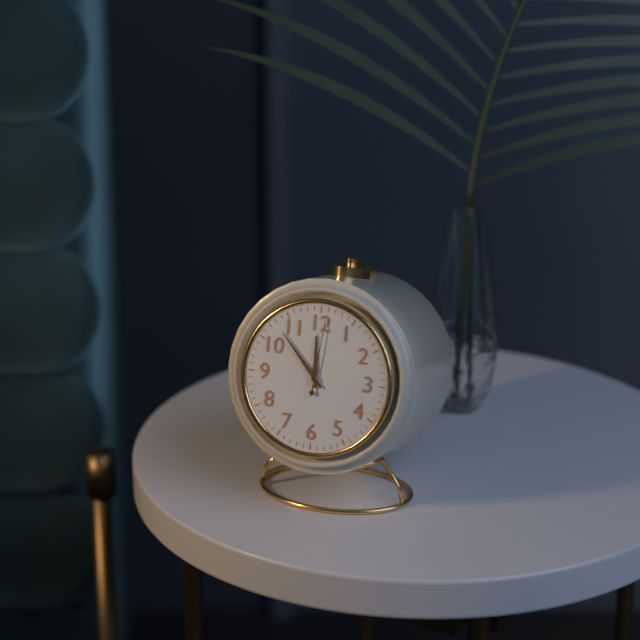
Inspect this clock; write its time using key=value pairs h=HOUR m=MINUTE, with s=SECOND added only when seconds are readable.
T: h=11 m=53 s=1
